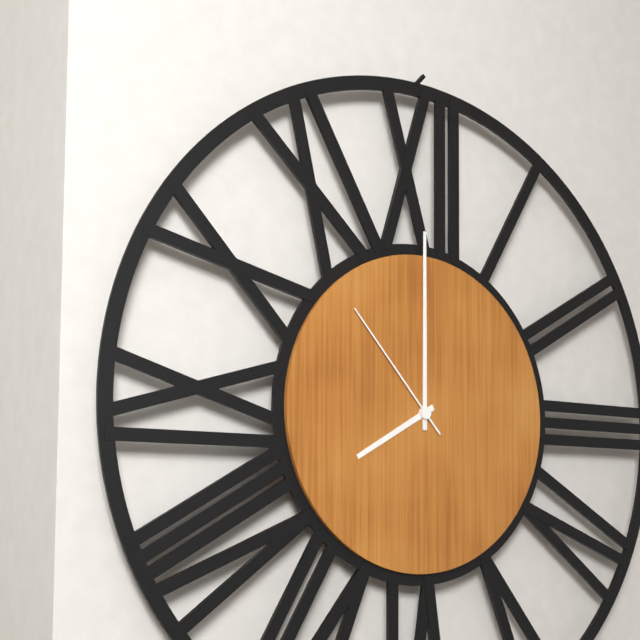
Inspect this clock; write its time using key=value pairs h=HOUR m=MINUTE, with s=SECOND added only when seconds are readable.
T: h=8 m=0 s=53
